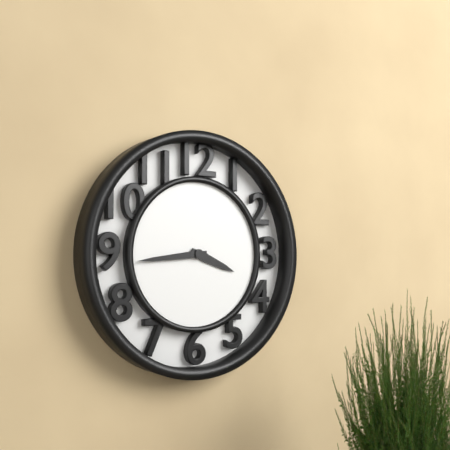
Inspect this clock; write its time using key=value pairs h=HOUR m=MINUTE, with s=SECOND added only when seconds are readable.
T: h=3 m=44
